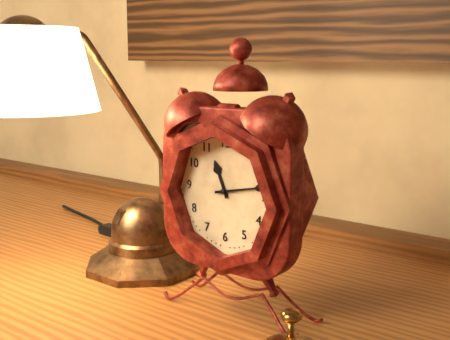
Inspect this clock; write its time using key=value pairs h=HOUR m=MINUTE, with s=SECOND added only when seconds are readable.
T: h=11 m=13
